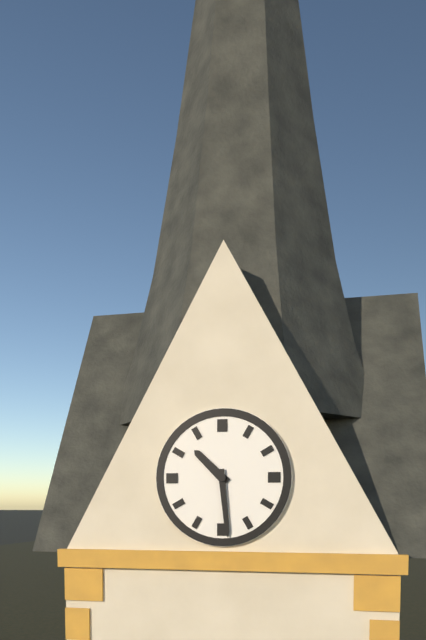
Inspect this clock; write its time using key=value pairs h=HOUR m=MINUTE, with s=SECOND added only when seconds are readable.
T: h=10 m=29
